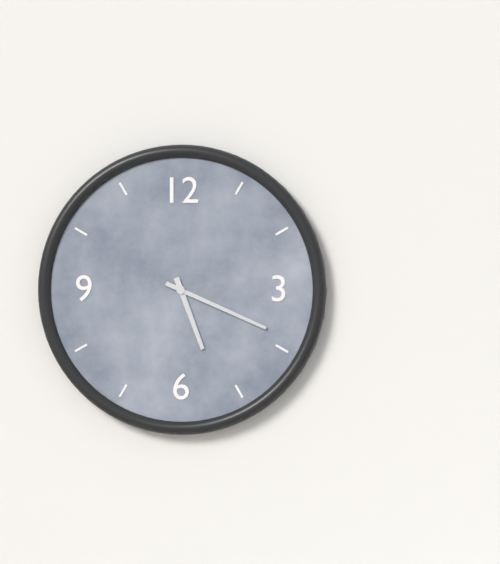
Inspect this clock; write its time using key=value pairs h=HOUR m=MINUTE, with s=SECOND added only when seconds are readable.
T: h=5 m=19
